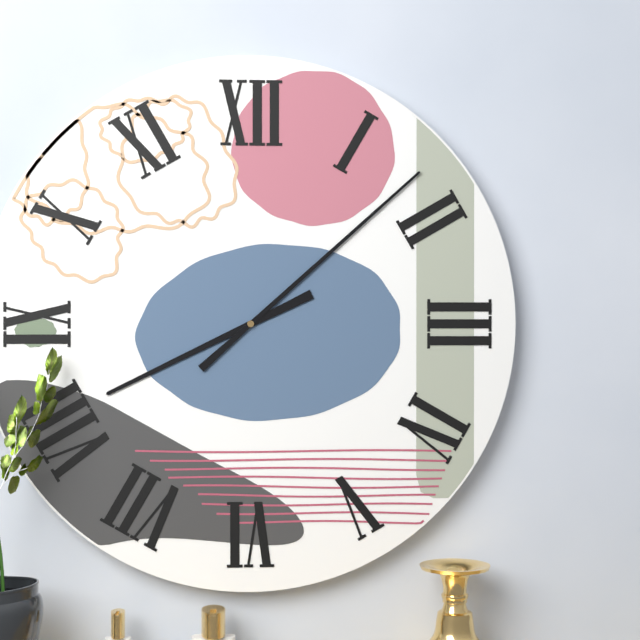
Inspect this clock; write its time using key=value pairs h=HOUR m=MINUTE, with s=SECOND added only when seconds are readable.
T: h=8 m=8
